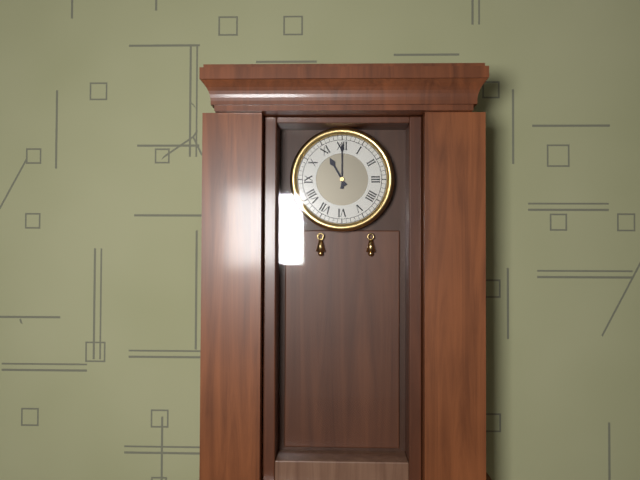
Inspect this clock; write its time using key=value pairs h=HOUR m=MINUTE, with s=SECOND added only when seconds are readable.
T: h=11 m=0
